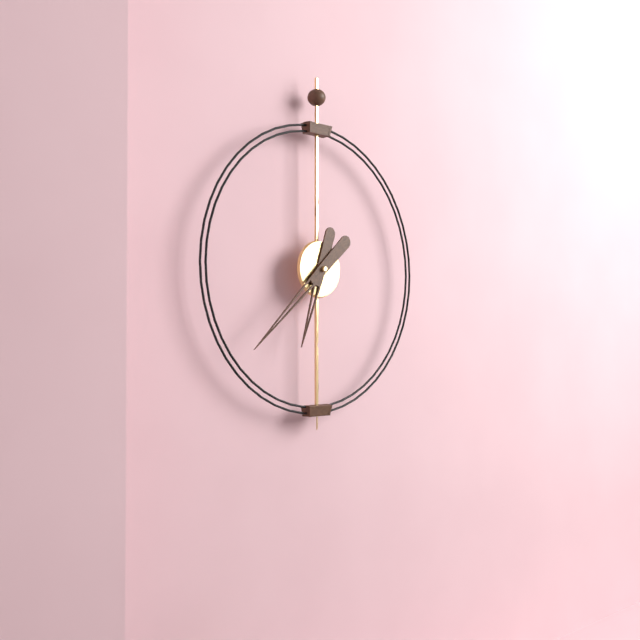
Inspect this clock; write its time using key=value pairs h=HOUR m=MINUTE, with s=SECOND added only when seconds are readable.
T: h=6 m=38
